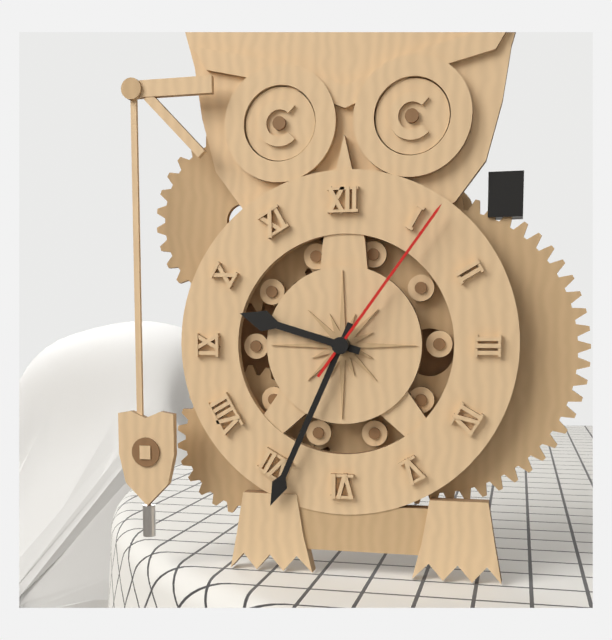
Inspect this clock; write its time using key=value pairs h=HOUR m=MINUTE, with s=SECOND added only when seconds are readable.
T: h=9 m=34 s=6
